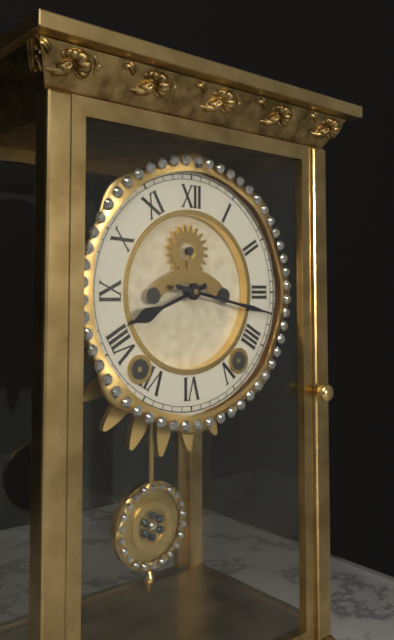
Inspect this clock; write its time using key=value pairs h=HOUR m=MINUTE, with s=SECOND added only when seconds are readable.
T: h=8 m=17
